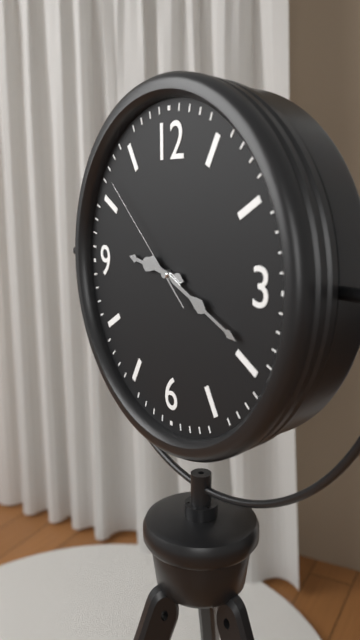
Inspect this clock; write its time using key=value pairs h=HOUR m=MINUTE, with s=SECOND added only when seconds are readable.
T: h=9 m=19 s=52
